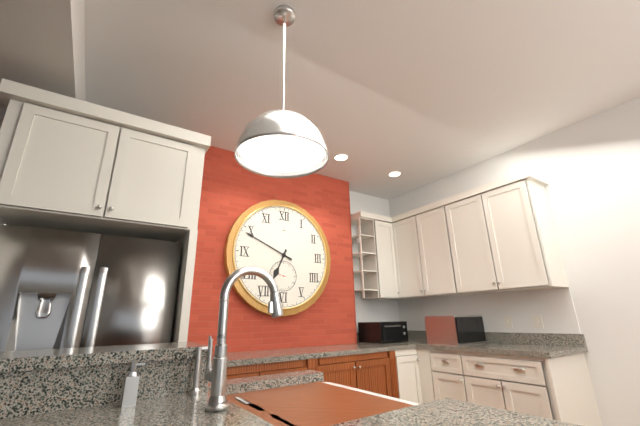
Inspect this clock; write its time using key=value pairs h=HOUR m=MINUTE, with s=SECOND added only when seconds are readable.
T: h=6 m=49
